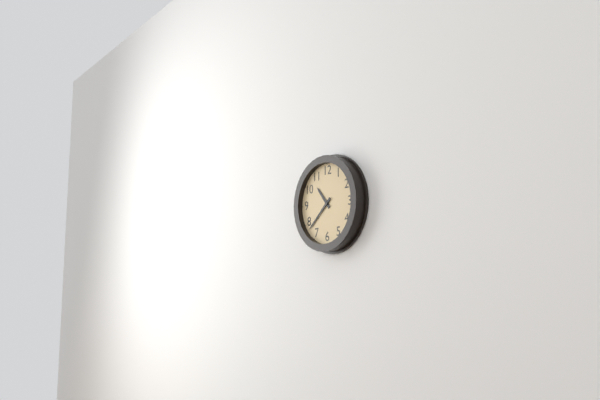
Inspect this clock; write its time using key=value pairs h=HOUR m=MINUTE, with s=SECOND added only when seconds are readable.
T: h=10 m=38
